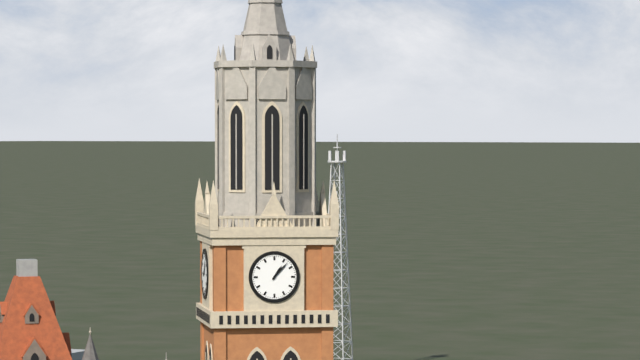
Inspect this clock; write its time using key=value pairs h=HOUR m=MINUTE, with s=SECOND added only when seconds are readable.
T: h=1 m=7
